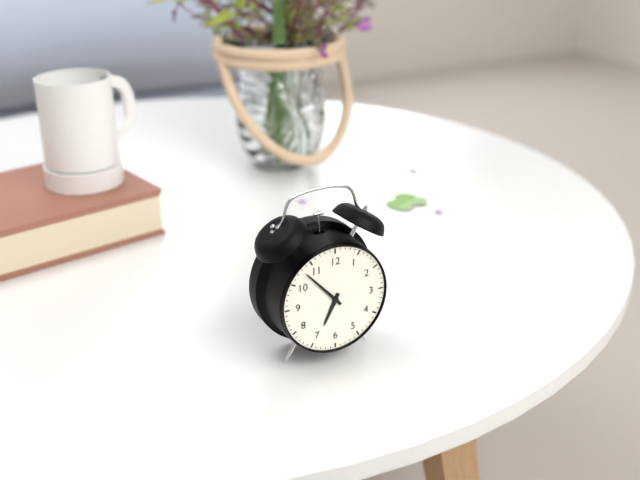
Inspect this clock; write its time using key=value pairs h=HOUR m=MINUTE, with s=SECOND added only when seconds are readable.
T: h=6 m=53
